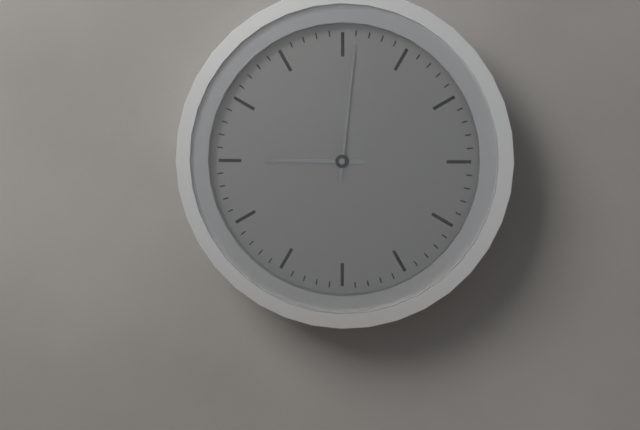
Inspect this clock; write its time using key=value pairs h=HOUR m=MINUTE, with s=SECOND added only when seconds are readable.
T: h=9 m=1
